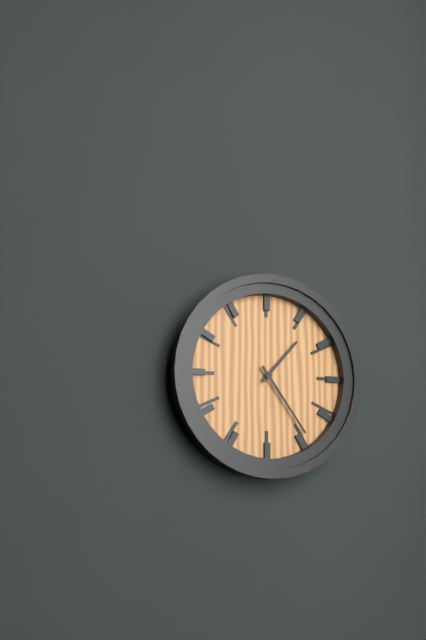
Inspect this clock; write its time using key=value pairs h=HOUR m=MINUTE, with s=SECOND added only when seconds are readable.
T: h=1 m=24
